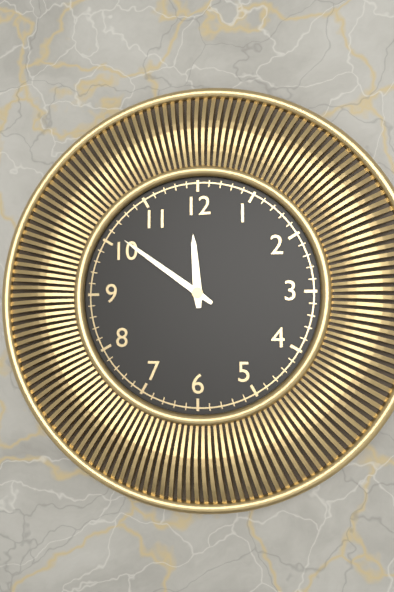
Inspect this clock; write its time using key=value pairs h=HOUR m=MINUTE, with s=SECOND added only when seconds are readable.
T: h=11 m=51
